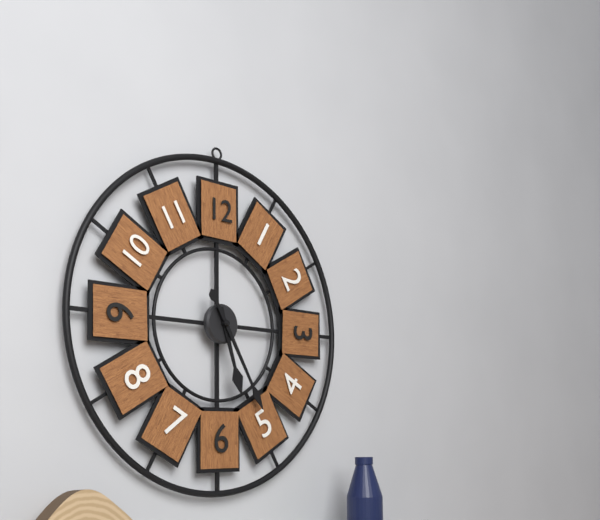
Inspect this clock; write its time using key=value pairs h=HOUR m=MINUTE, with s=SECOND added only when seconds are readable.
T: h=5 m=25
